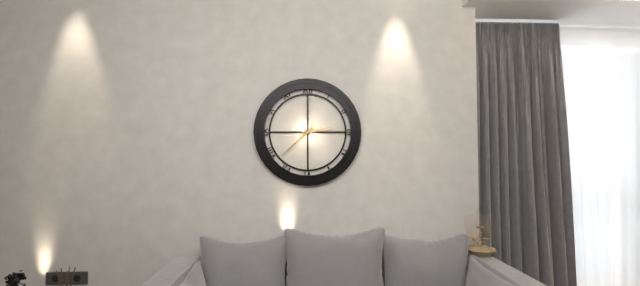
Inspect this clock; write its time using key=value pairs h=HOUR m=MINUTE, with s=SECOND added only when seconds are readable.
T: h=2 m=38
